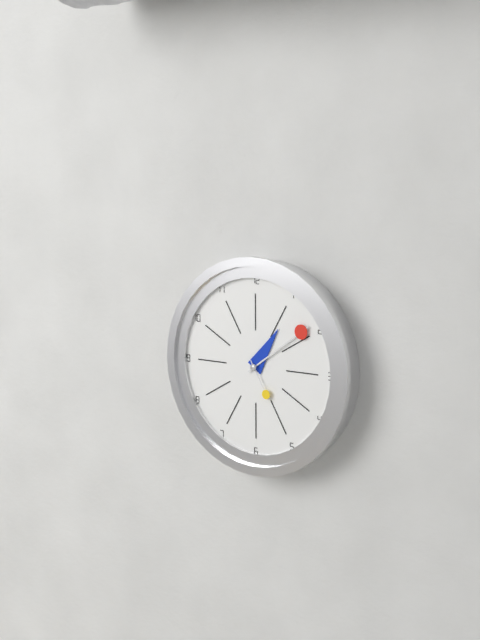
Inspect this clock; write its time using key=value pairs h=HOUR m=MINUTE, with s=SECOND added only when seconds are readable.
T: h=1 m=9
